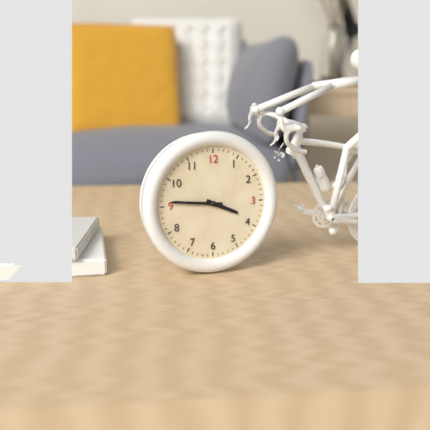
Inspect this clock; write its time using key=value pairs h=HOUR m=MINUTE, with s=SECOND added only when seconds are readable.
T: h=3 m=46
